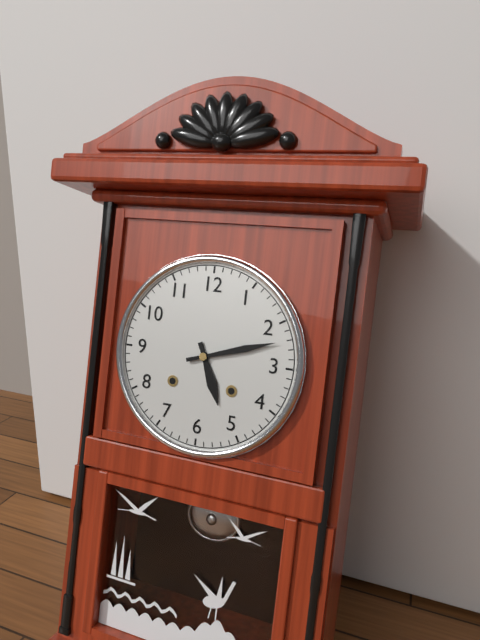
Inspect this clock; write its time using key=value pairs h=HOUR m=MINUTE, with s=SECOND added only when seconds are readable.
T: h=5 m=12
